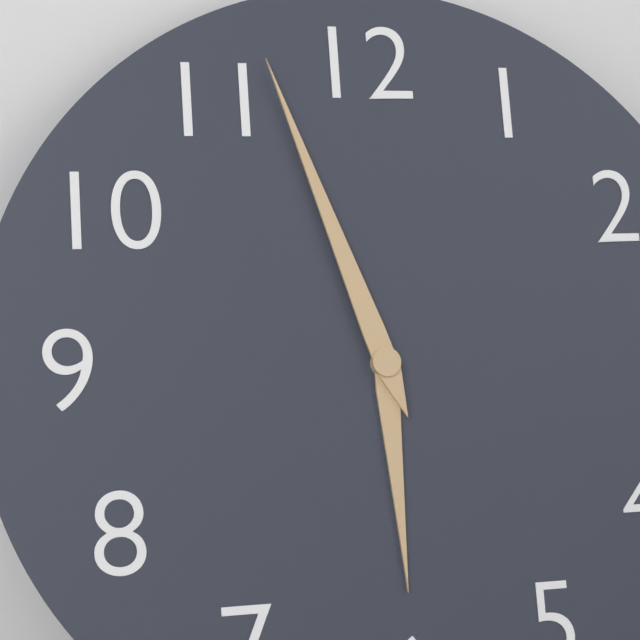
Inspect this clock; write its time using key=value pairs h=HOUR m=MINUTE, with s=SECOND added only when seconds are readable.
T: h=5 m=57
